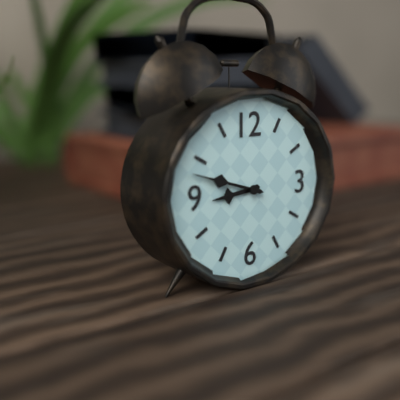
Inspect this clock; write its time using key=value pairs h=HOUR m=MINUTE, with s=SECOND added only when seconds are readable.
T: h=8 m=48
